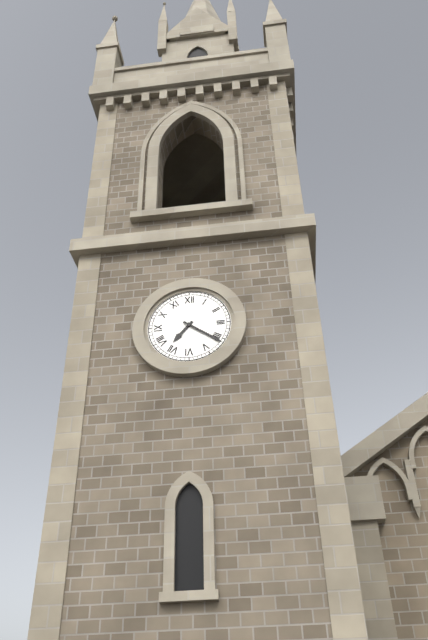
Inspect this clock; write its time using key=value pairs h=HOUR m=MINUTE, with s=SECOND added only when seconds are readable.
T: h=7 m=21
